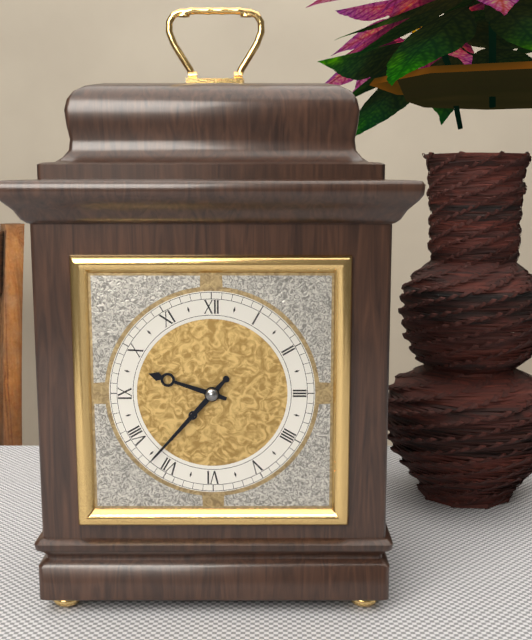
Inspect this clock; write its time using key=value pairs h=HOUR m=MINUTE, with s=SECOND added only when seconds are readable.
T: h=9 m=37
